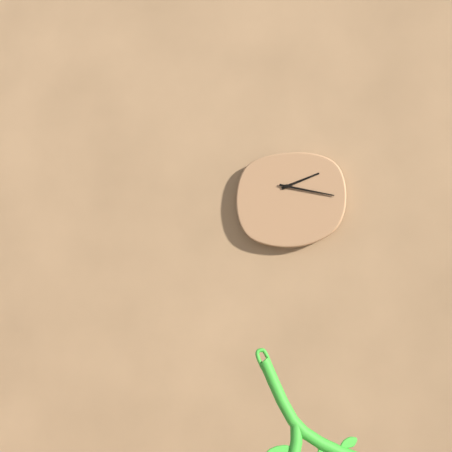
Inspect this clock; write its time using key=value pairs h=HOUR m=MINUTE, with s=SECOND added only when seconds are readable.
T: h=2 m=17
